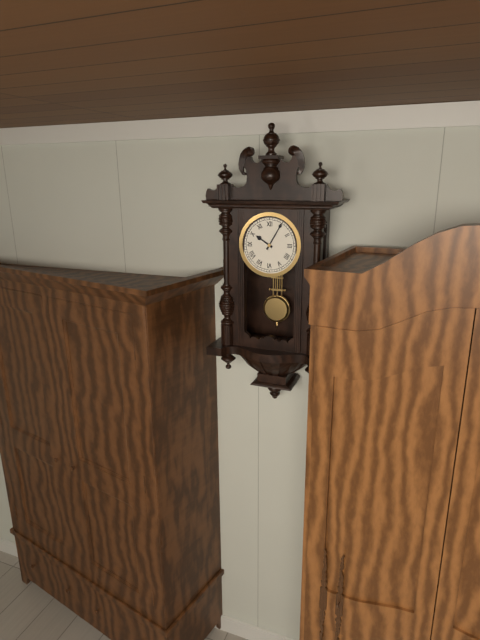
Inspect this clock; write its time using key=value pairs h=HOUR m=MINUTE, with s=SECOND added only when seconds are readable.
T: h=10 m=5
